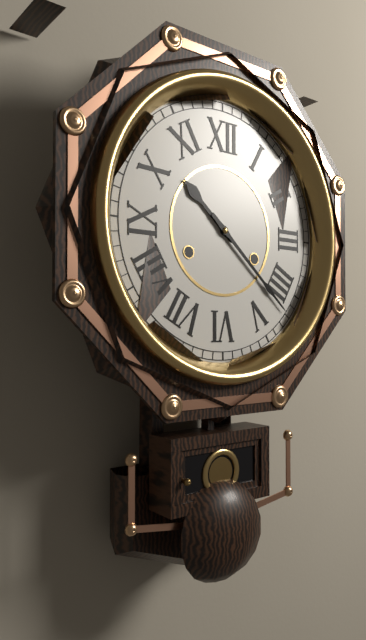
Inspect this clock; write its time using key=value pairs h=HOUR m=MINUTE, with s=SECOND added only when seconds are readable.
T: h=10 m=22
